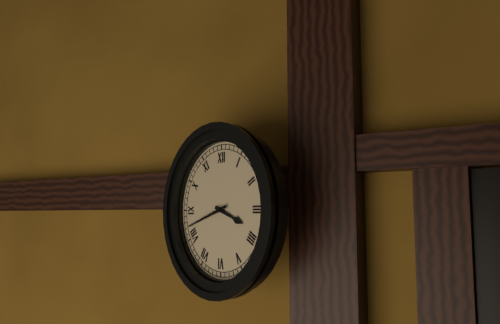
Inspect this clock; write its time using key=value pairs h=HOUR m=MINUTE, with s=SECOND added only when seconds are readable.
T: h=3 m=42
